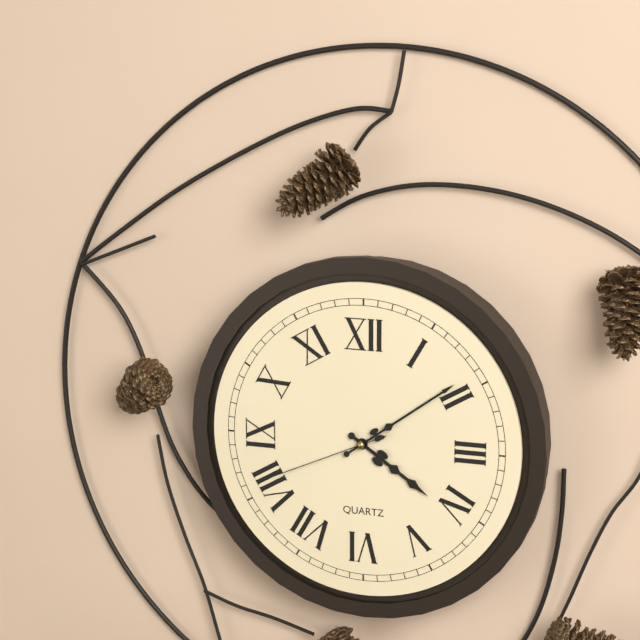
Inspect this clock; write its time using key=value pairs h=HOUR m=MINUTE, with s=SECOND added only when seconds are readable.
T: h=4 m=9 s=41
